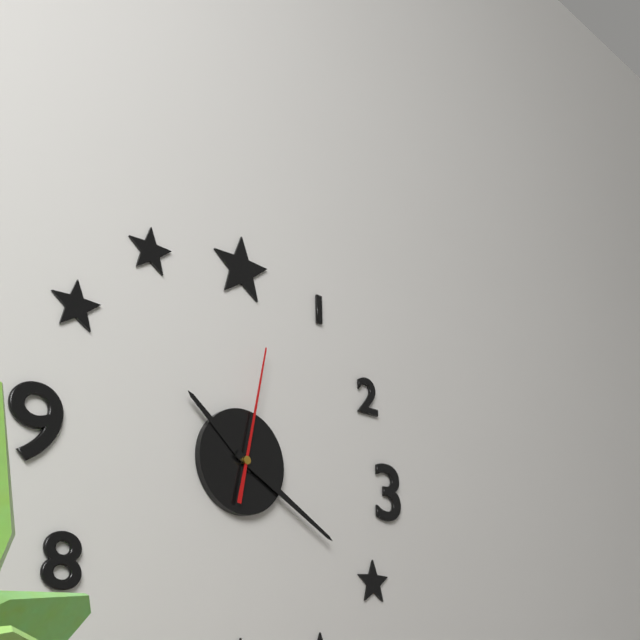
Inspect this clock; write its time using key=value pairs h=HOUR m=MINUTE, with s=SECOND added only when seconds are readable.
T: h=10 m=20 s=2
